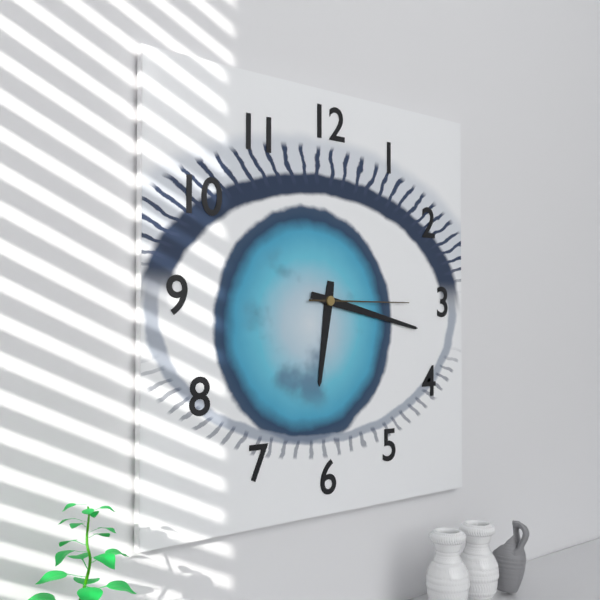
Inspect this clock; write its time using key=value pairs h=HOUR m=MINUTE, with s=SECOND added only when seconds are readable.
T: h=6 m=17 s=15
